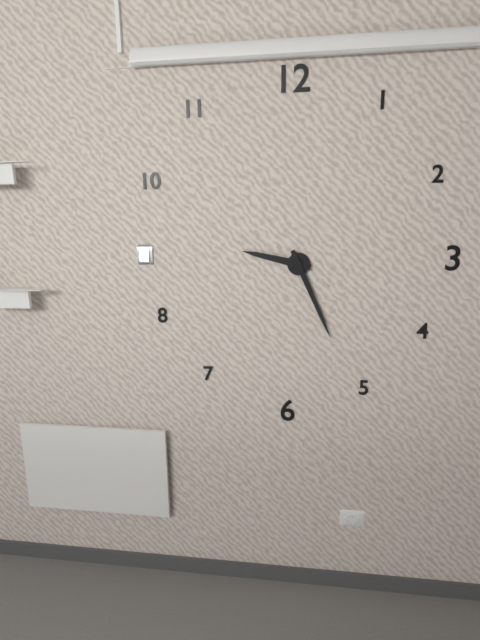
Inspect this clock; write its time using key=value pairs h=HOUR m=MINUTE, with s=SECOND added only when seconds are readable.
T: h=9 m=26
